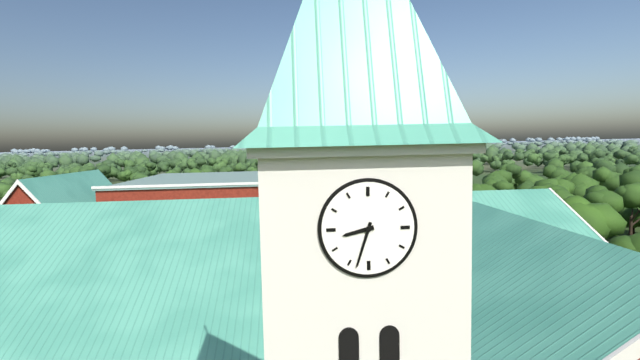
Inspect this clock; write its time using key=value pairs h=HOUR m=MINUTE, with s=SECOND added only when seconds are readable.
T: h=8 m=33
